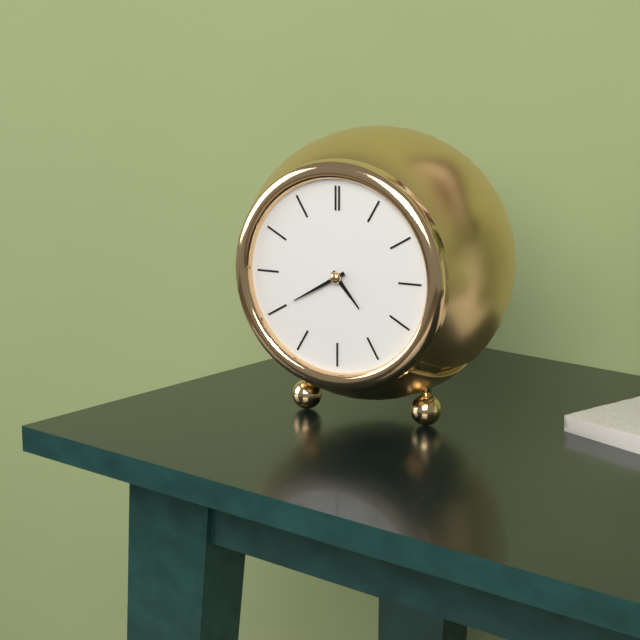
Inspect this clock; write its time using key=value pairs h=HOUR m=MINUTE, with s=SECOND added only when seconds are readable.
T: h=4 m=40
